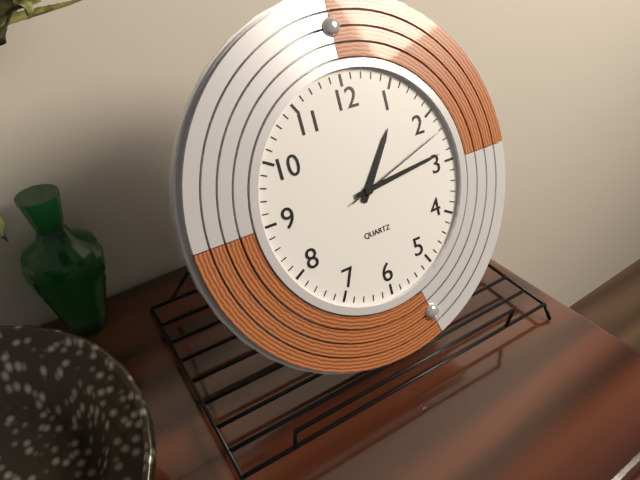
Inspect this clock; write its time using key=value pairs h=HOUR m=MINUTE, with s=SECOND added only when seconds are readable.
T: h=1 m=14 s=12
